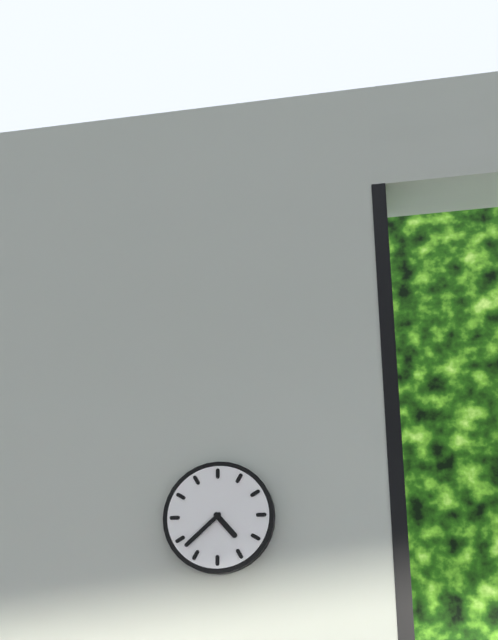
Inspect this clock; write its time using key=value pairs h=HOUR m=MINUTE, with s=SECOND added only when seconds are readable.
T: h=4 m=38
